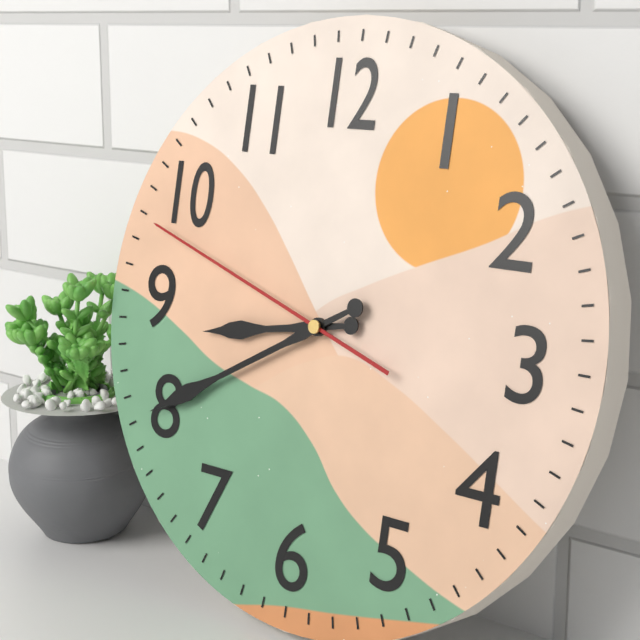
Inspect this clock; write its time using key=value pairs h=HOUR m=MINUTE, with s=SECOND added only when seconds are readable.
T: h=8 m=40 s=48
